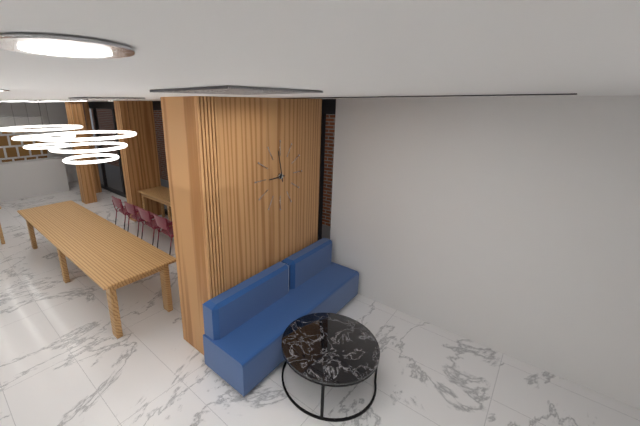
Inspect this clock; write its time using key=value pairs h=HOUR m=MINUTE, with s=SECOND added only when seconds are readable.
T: h=8 m=58
